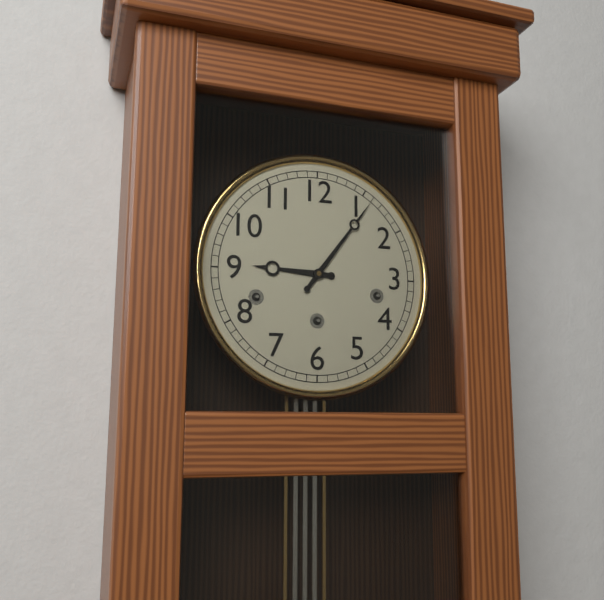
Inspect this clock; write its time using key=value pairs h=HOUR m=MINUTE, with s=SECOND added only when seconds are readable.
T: h=9 m=6
